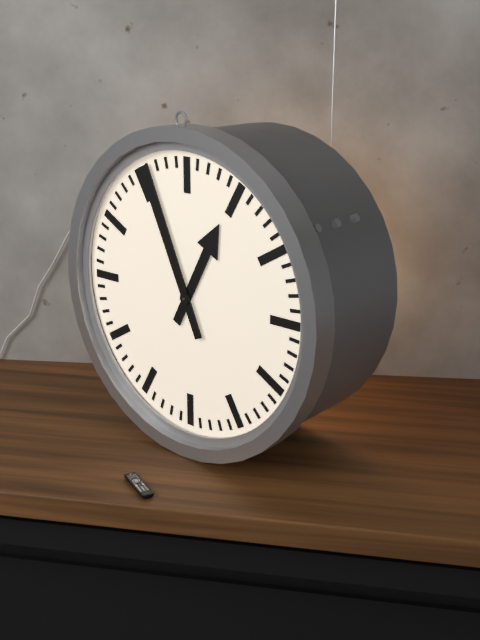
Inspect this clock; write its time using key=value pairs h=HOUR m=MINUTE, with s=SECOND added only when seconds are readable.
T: h=12 m=56
